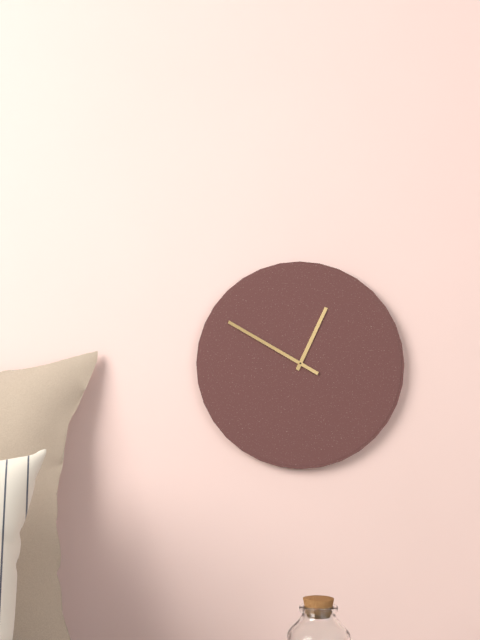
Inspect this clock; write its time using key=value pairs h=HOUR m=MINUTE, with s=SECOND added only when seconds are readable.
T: h=12 m=50
